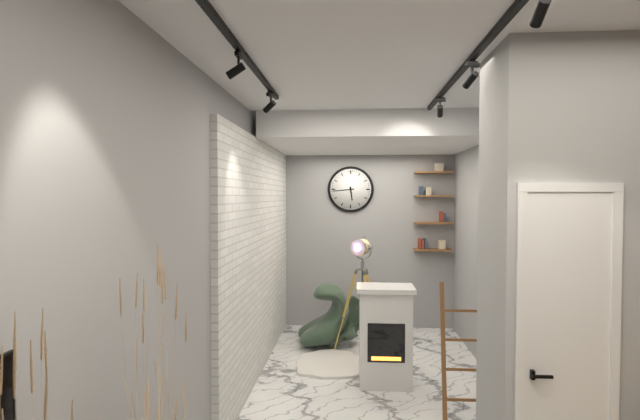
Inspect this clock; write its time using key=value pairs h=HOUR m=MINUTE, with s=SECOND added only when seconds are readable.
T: h=5 m=44
